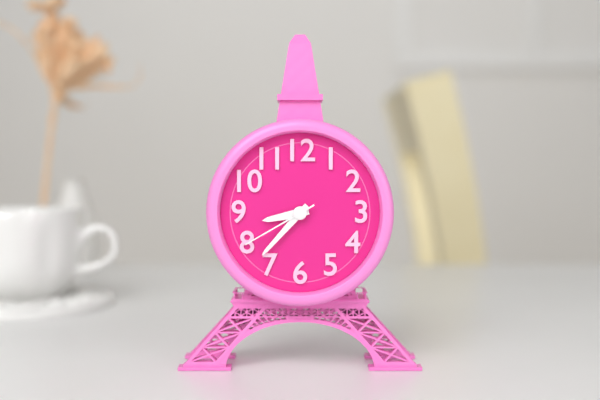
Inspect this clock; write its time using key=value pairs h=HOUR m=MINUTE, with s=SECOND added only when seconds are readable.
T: h=8 m=37 s=40
